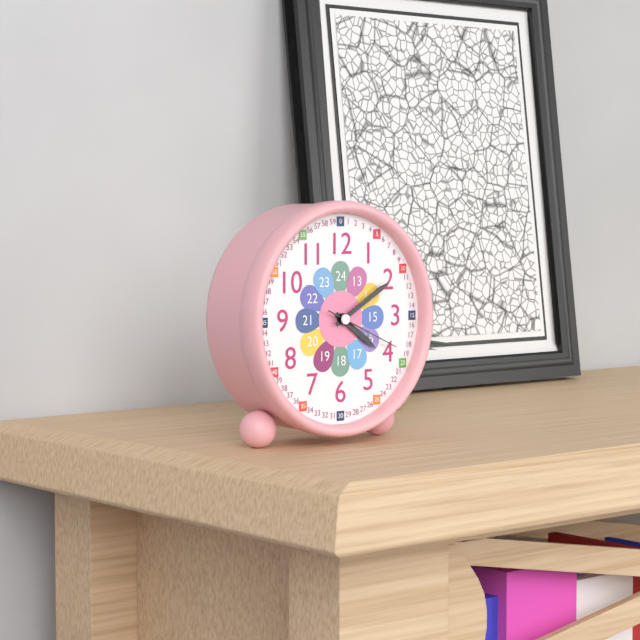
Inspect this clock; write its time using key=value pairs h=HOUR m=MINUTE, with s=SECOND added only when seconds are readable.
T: h=4 m=10 s=19
